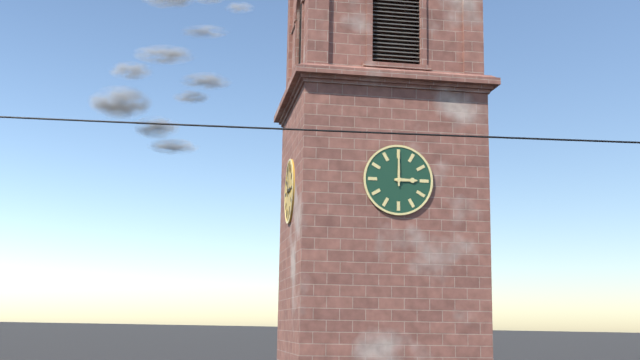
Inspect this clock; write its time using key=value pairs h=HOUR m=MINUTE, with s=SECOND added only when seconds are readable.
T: h=3 m=0
